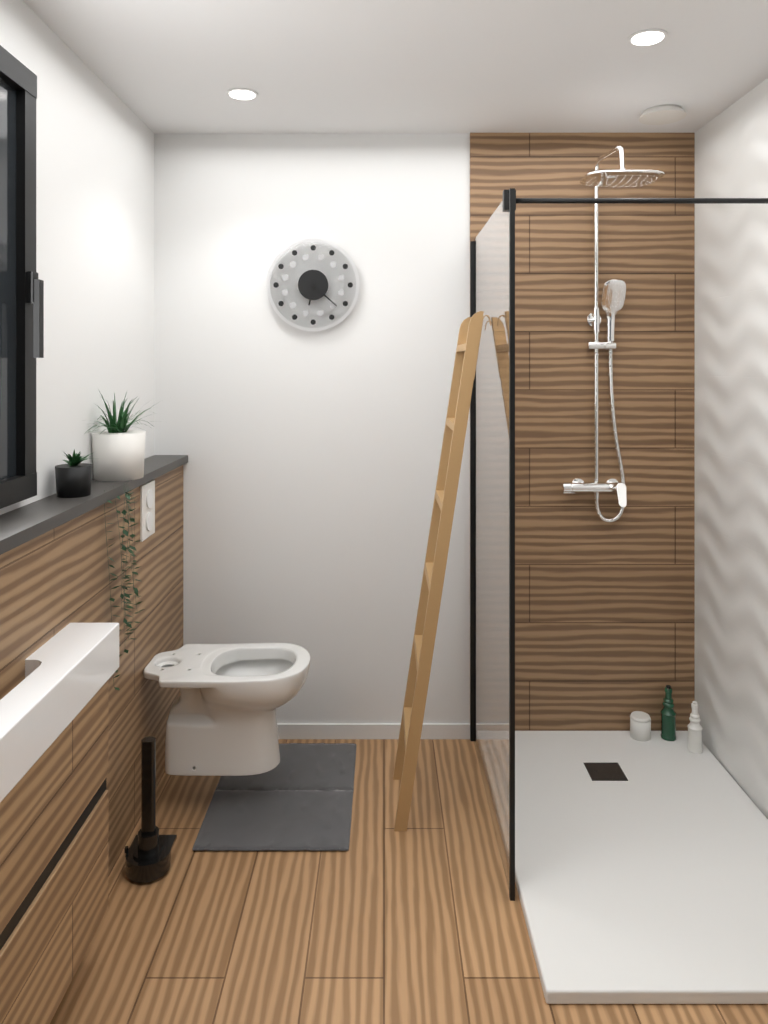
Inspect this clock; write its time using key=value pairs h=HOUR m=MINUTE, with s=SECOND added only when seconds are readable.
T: h=6 m=22
